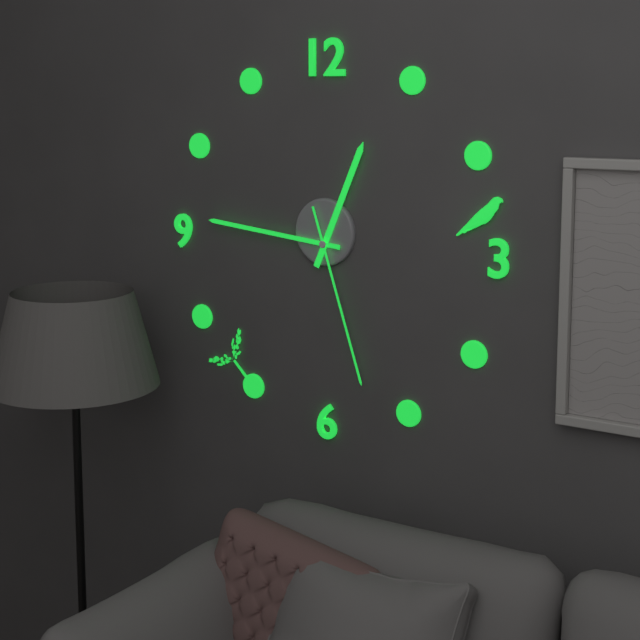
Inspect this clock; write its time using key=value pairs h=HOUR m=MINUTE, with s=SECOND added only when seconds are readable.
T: h=12 m=46 s=27
